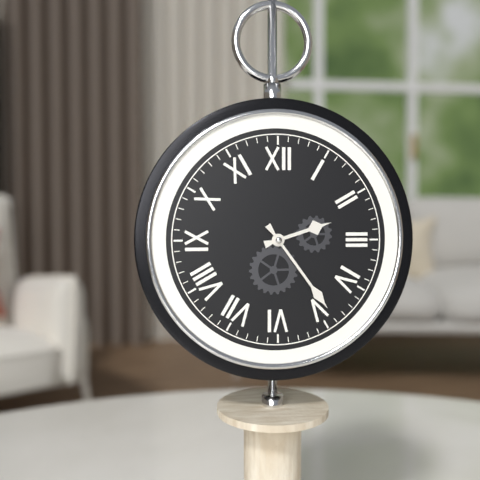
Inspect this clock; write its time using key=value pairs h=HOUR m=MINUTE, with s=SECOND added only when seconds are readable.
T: h=2 m=24
